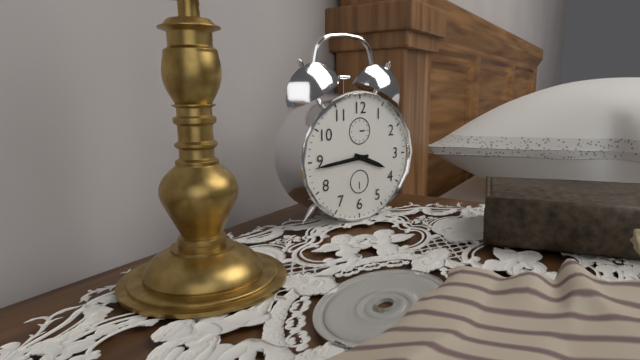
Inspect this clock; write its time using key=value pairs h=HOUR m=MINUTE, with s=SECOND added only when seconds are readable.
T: h=3 m=44
